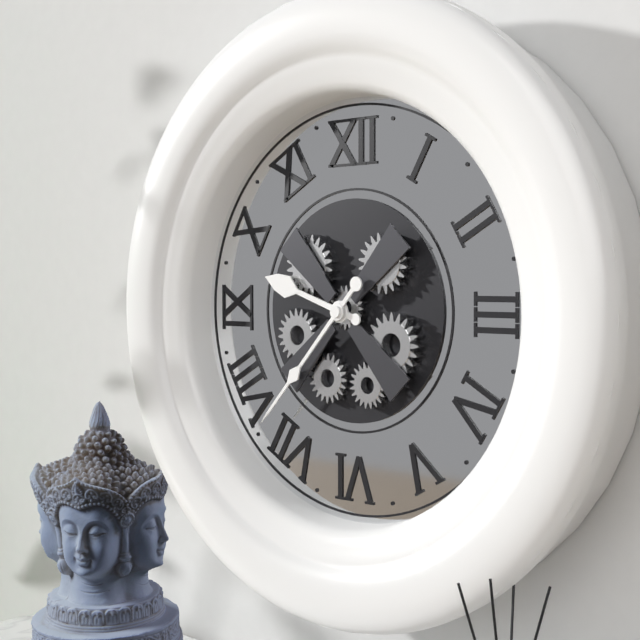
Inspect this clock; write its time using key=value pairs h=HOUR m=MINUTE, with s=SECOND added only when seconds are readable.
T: h=9 m=37
